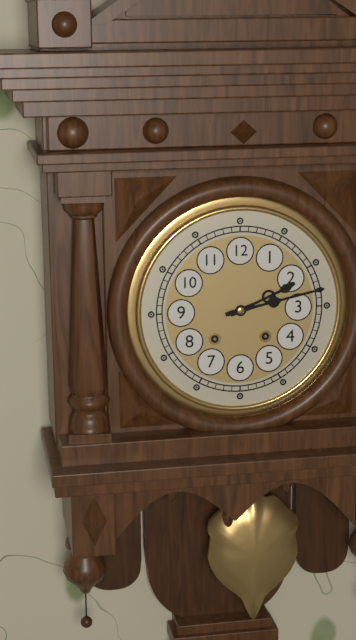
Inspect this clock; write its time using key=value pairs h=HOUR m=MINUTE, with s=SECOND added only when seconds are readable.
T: h=2 m=13
